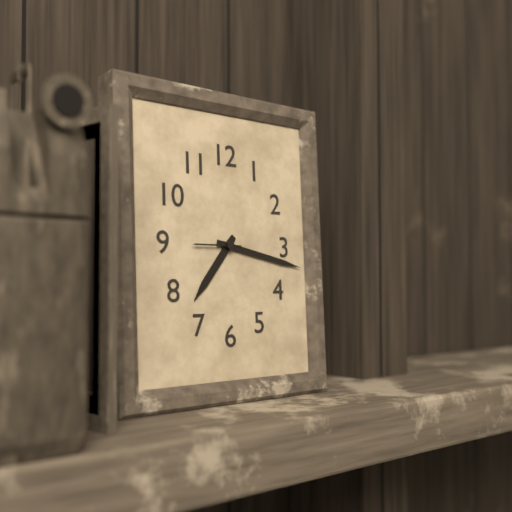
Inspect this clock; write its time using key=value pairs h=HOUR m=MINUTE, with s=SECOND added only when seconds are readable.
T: h=7 m=17
